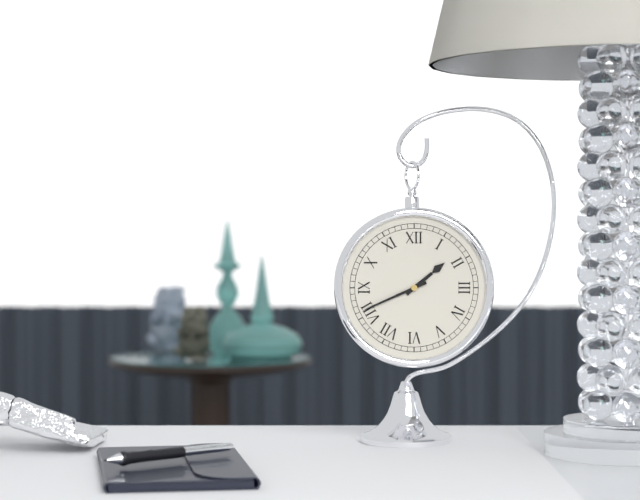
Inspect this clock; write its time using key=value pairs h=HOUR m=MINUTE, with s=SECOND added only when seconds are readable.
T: h=1 m=41
